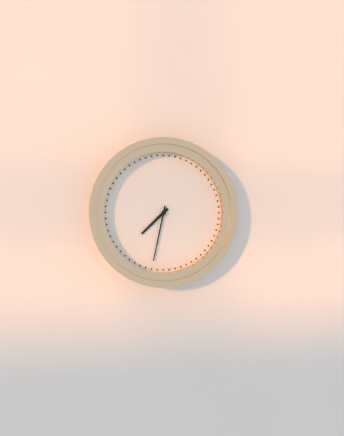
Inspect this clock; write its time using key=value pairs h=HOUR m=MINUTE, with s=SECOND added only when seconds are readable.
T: h=7 m=32
